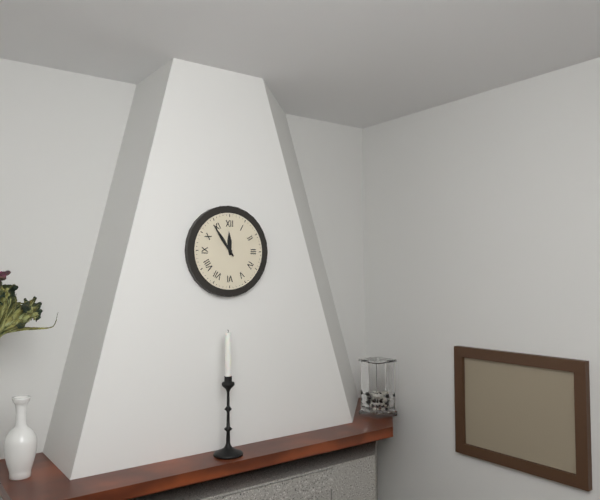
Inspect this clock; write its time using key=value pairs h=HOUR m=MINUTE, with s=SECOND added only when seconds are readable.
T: h=11 m=54
